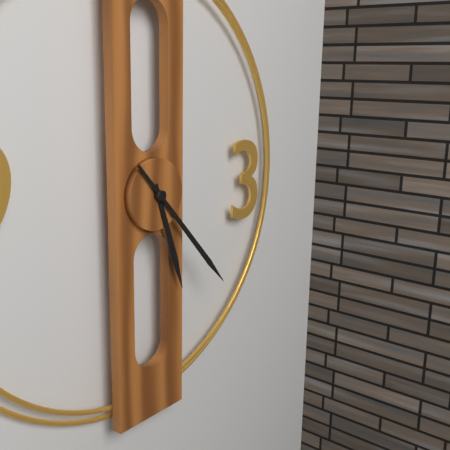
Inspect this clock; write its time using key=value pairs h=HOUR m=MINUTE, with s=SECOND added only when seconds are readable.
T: h=5 m=23
